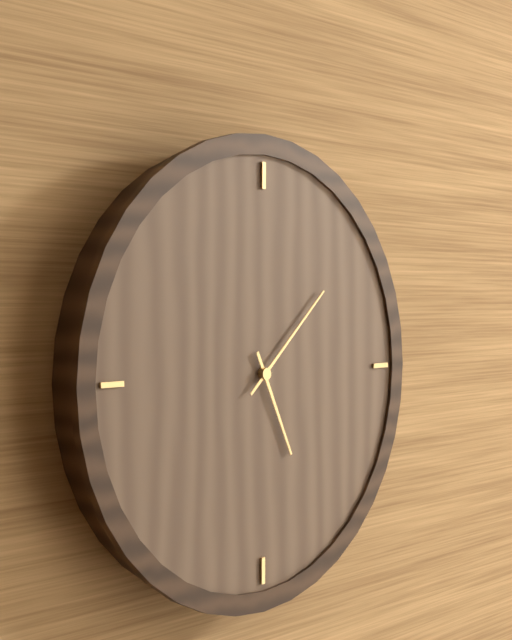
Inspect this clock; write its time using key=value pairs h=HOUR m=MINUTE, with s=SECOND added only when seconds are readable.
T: h=5 m=8
